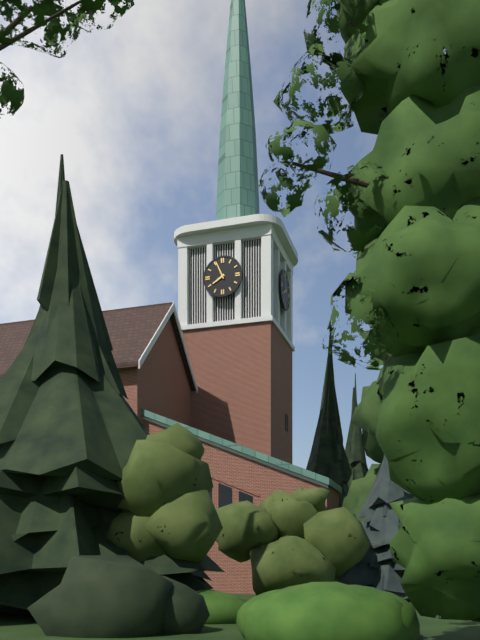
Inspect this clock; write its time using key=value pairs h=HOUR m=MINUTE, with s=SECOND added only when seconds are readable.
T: h=7 m=56
